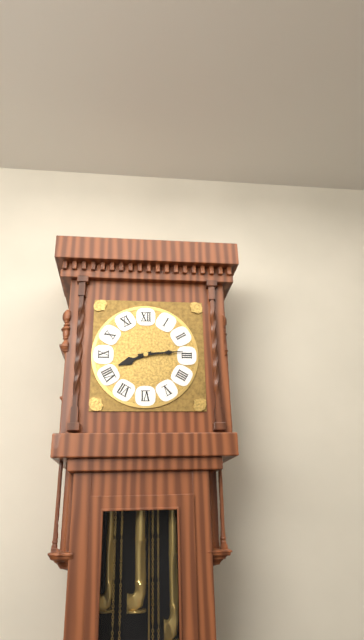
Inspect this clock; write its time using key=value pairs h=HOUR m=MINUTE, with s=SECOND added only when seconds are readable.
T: h=8 m=14
